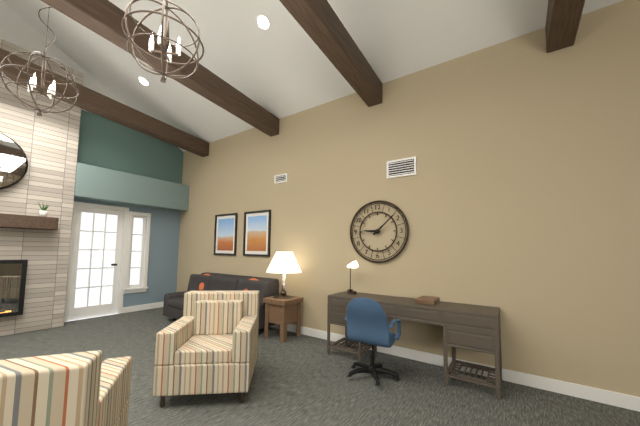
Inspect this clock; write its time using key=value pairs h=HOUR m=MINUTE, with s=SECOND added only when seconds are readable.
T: h=9 m=8
